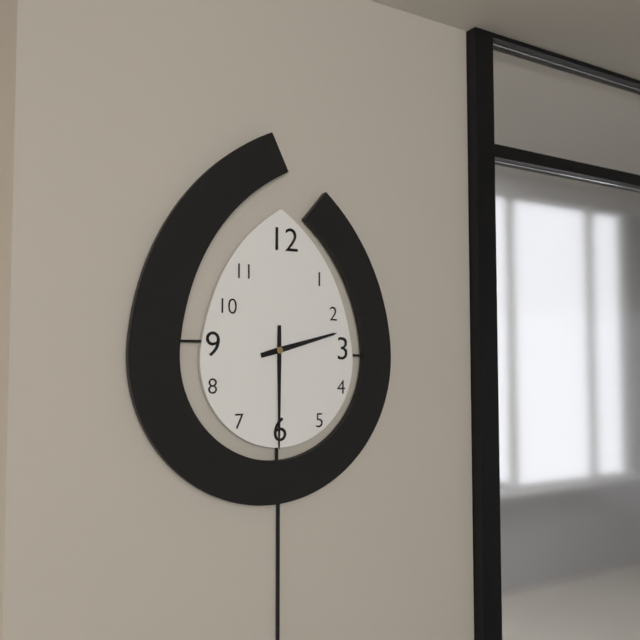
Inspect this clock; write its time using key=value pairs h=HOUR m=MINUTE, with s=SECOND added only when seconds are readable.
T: h=2 m=30
